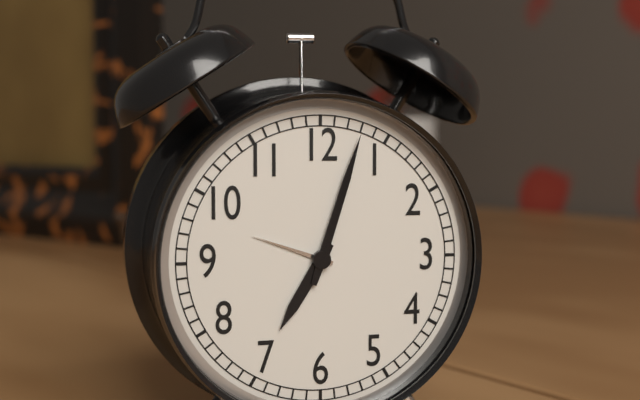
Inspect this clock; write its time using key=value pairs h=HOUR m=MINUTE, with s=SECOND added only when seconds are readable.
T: h=7 m=3
